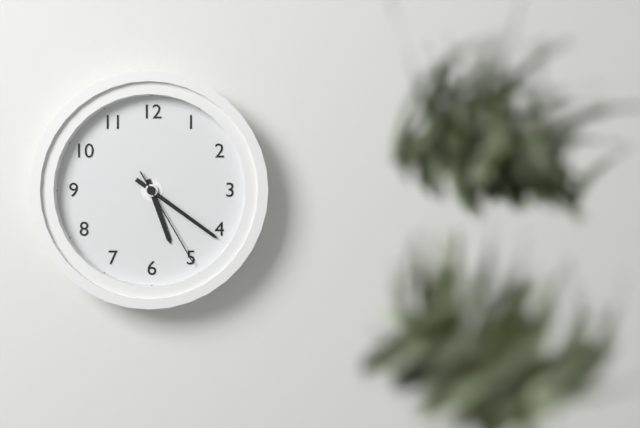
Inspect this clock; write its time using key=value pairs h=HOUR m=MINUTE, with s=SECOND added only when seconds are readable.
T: h=5 m=21 s=25
